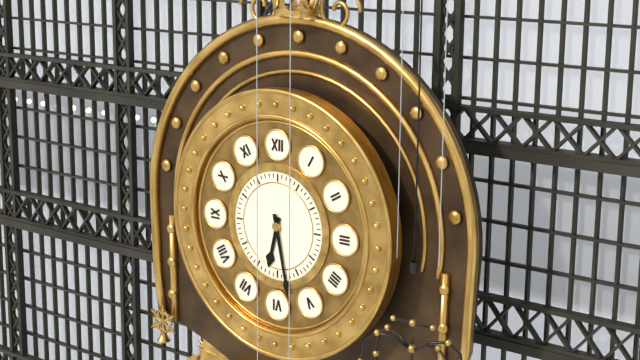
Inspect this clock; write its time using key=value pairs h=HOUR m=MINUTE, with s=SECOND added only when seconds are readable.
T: h=6 m=28
